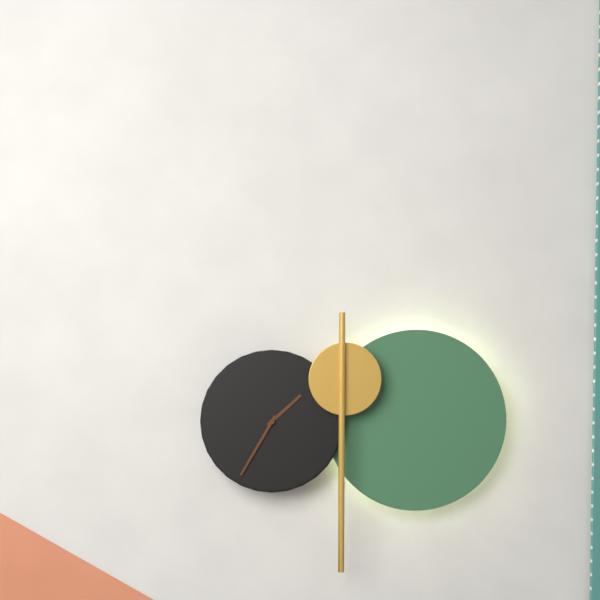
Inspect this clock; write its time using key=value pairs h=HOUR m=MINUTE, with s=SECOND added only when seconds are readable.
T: h=1 m=35
